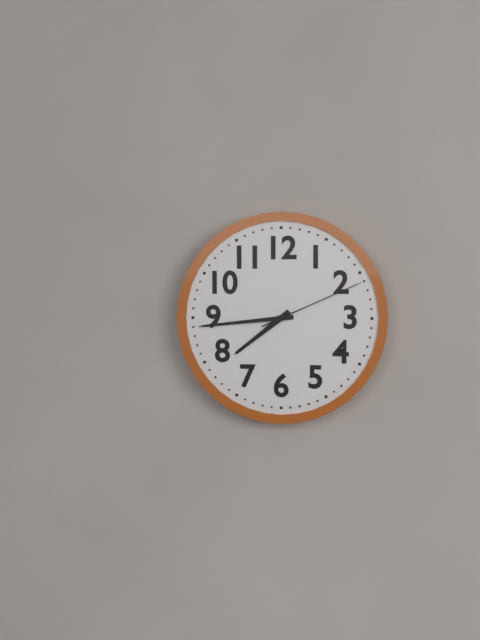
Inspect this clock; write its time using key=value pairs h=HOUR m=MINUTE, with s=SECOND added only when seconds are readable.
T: h=7 m=44 s=11
